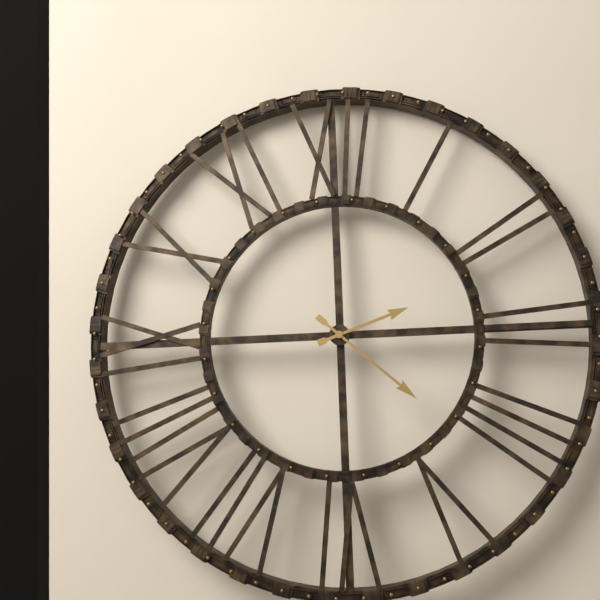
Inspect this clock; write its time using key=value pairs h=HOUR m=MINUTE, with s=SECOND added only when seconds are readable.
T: h=2 m=22
